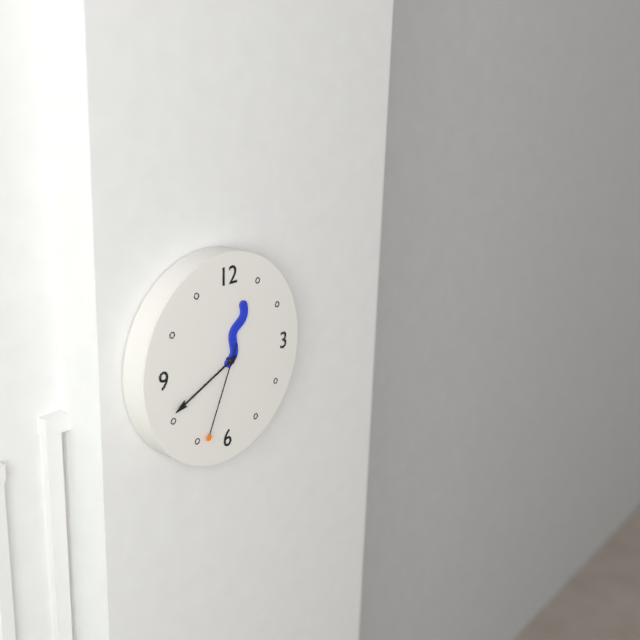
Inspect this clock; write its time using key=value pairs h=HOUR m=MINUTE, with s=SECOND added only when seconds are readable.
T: h=12 m=41 s=34
